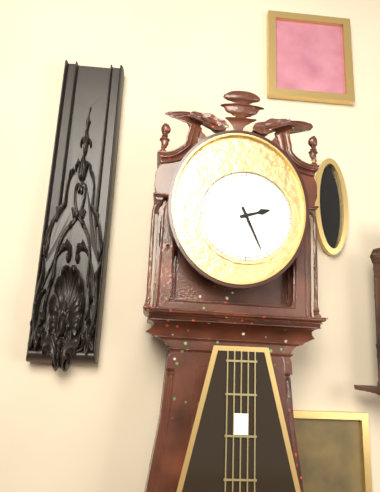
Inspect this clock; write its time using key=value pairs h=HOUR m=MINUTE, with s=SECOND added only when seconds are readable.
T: h=2 m=26
